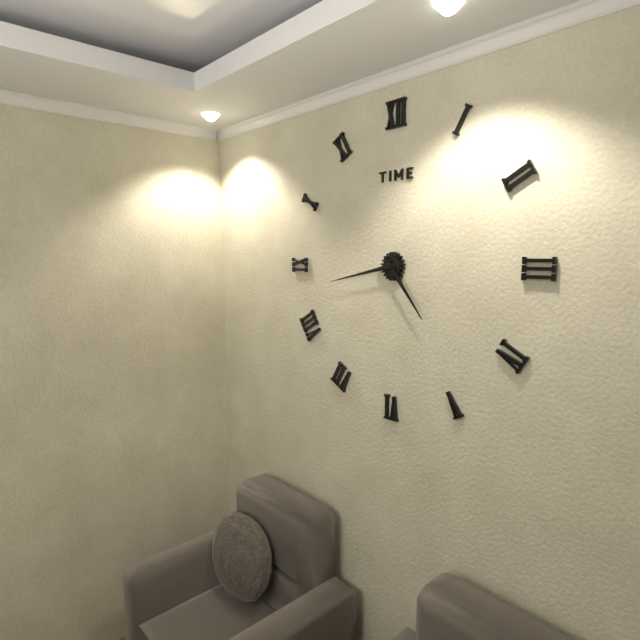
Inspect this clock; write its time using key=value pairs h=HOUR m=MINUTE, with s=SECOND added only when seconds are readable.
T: h=4 m=43
